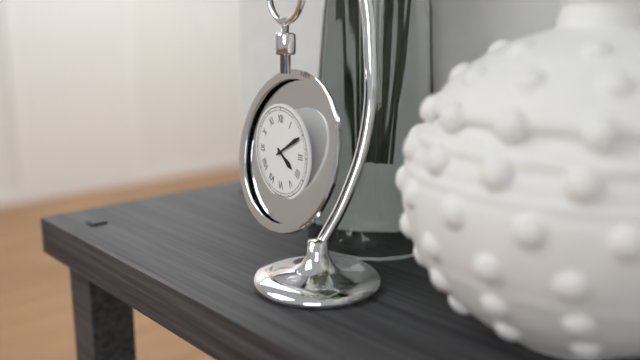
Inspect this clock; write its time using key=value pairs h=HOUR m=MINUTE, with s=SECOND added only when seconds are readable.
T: h=4 m=10
